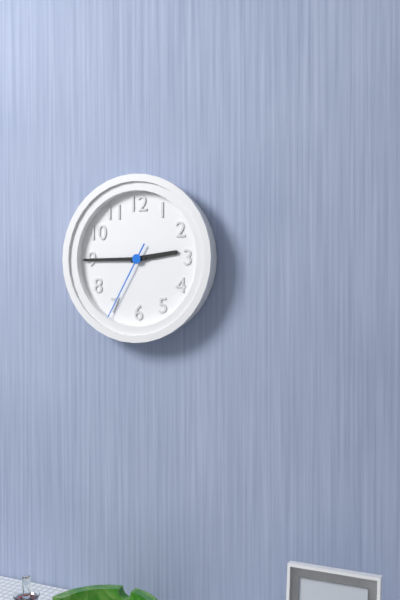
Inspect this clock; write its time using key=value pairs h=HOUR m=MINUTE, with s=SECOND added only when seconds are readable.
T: h=2 m=45 s=35
